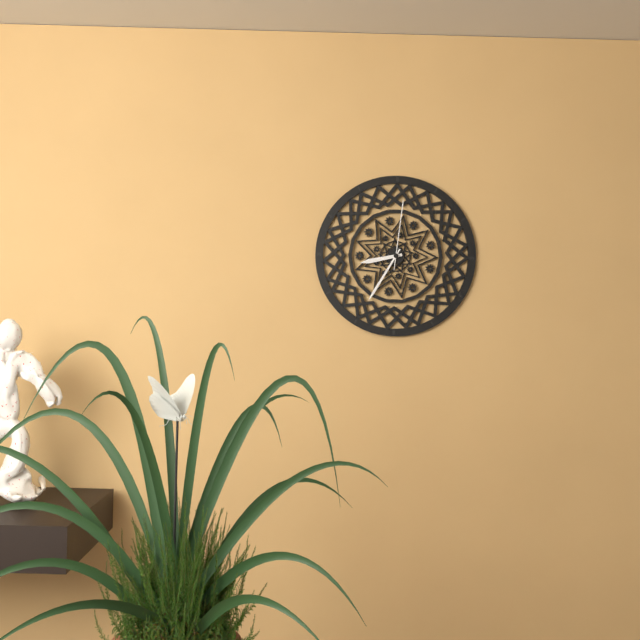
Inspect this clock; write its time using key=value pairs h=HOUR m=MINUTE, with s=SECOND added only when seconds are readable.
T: h=8 m=35 s=1
